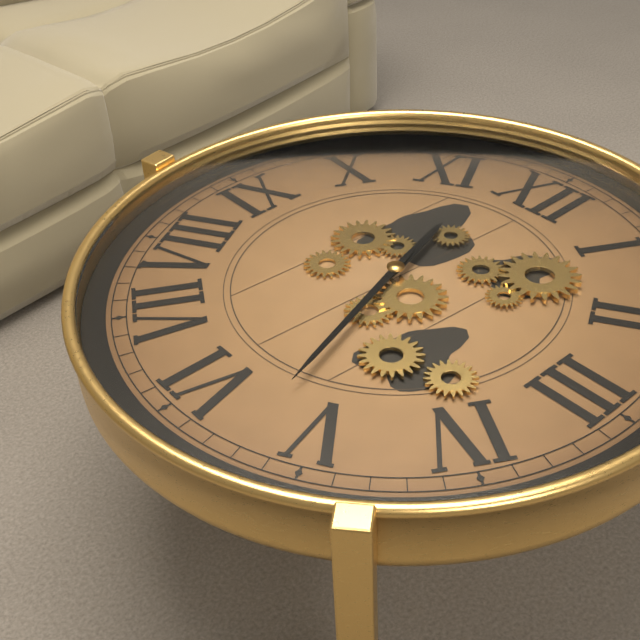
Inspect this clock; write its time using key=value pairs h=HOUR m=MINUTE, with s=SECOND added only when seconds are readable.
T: h=11 m=27
